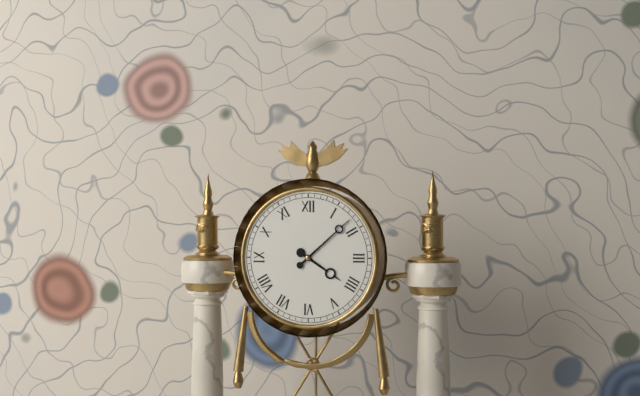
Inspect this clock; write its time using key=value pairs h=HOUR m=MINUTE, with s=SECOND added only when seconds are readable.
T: h=4 m=8
